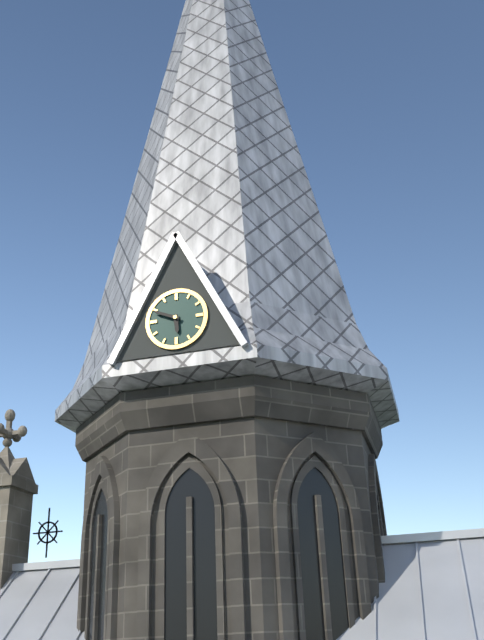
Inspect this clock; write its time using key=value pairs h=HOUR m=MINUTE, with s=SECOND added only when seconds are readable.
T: h=5 m=49
